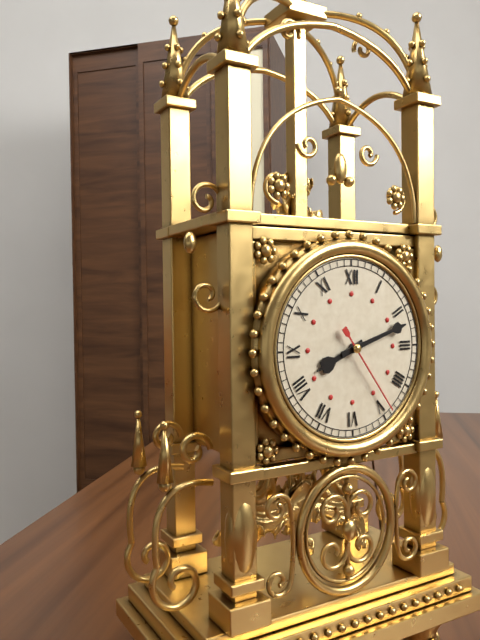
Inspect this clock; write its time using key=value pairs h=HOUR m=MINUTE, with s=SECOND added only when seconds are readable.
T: h=8 m=12 s=24
